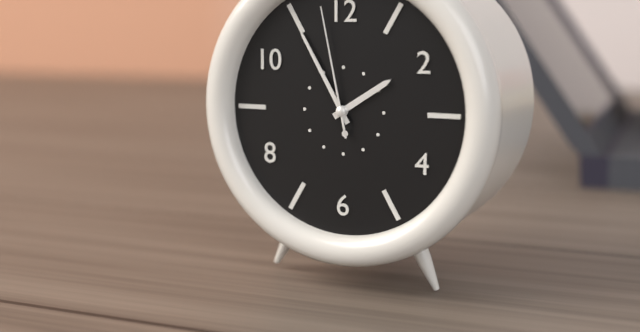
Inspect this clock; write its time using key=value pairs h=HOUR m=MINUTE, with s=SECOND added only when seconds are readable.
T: h=1 m=55 s=58
